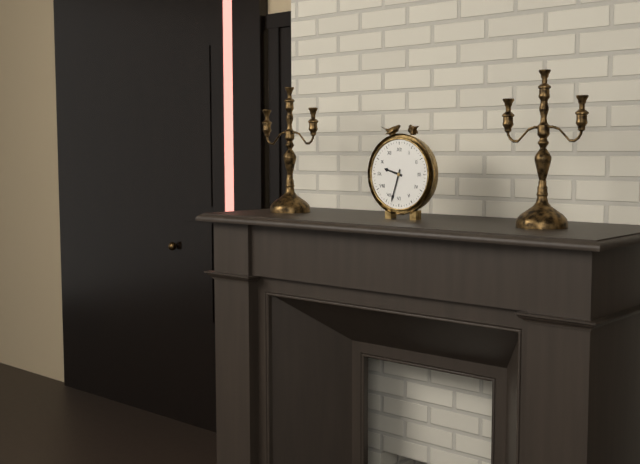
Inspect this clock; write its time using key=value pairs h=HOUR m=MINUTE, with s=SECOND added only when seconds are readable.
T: h=9 m=33
